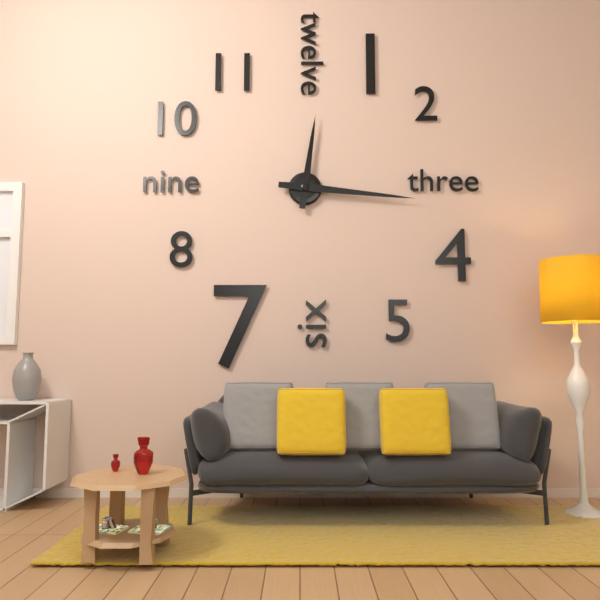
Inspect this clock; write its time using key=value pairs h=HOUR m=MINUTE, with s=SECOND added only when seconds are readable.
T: h=12 m=16
